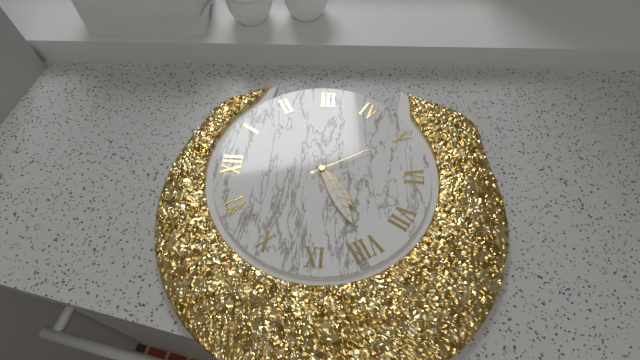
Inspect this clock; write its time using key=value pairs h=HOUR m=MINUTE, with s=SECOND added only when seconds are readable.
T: h=7 m=40 s=25
